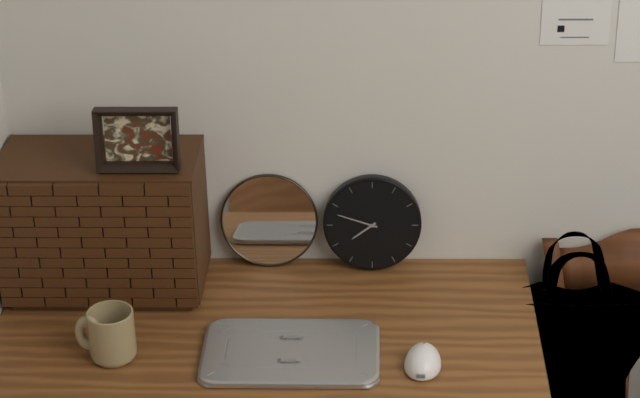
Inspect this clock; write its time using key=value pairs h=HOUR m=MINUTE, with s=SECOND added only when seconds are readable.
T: h=7 m=48
